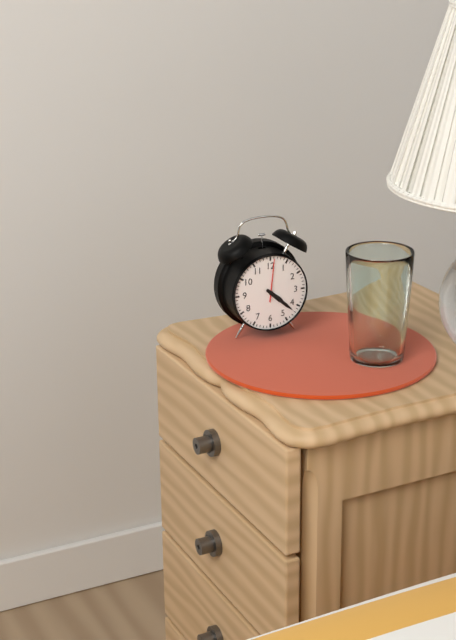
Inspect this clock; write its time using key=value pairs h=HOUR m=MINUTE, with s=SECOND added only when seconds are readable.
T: h=4 m=22
